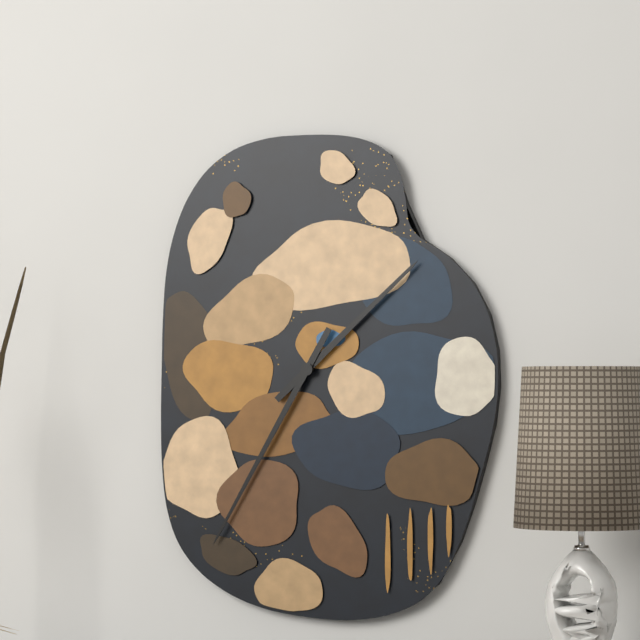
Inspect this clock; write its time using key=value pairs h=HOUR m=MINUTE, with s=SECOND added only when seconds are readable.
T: h=1 m=35
